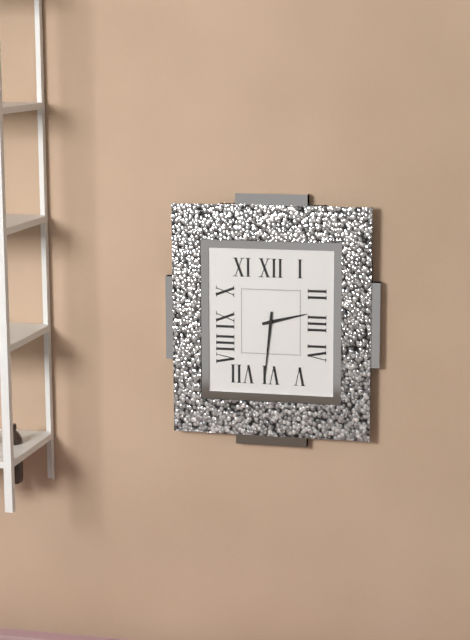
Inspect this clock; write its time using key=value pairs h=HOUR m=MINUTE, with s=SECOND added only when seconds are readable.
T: h=2 m=31
